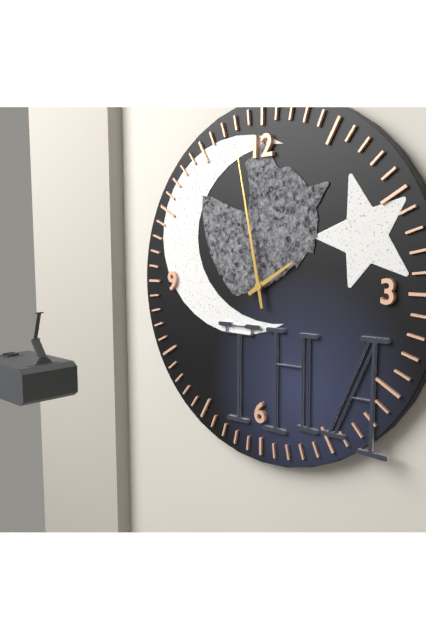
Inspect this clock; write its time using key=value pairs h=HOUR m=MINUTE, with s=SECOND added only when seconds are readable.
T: h=1 m=58
